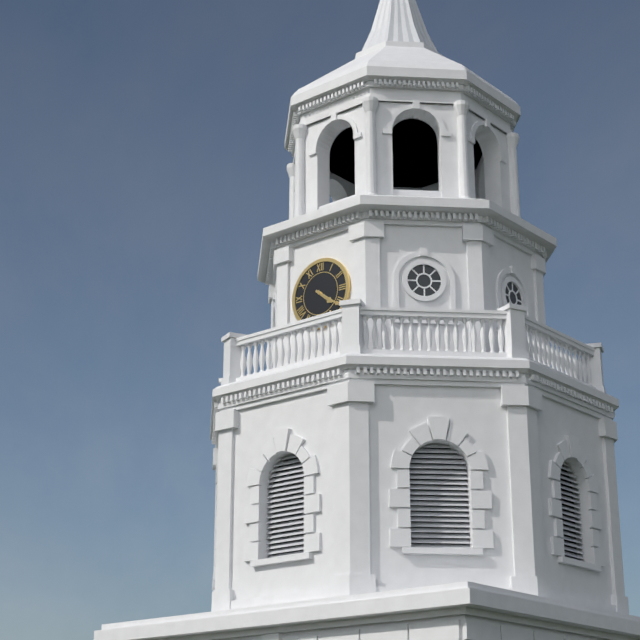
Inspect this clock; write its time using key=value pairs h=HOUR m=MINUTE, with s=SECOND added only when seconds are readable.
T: h=4 m=21
